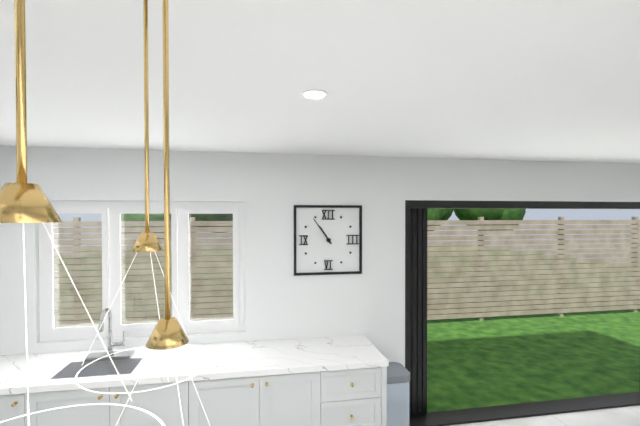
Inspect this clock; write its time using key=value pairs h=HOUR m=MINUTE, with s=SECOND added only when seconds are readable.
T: h=10 m=54
